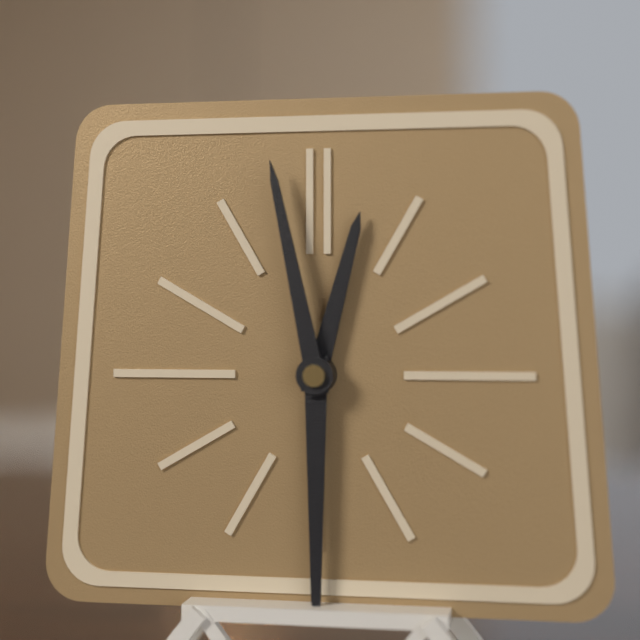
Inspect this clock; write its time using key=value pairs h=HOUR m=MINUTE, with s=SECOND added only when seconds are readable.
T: h=12 m=30 s=58
